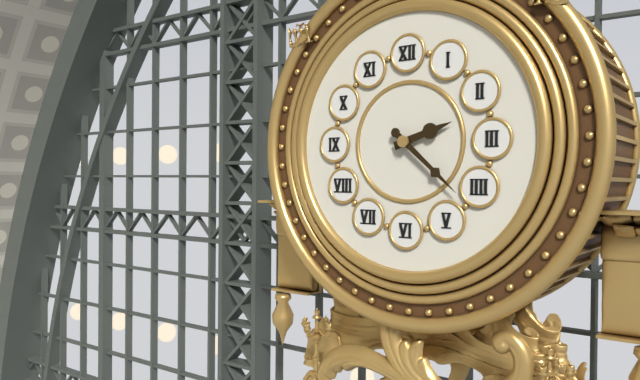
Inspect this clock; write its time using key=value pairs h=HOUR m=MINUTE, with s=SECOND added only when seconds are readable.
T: h=2 m=22
